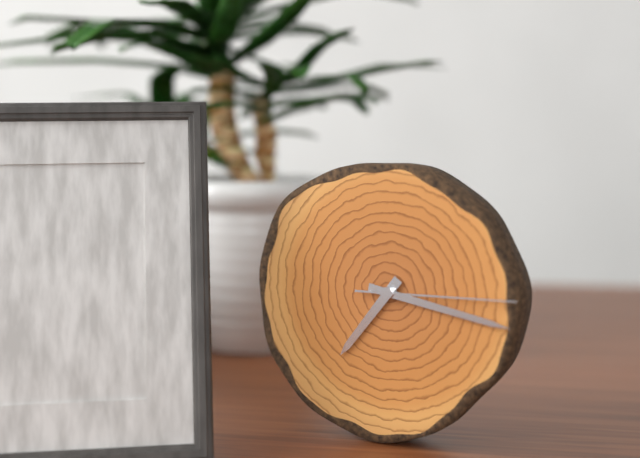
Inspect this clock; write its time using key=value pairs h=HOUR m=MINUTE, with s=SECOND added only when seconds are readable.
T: h=7 m=17 s=15
